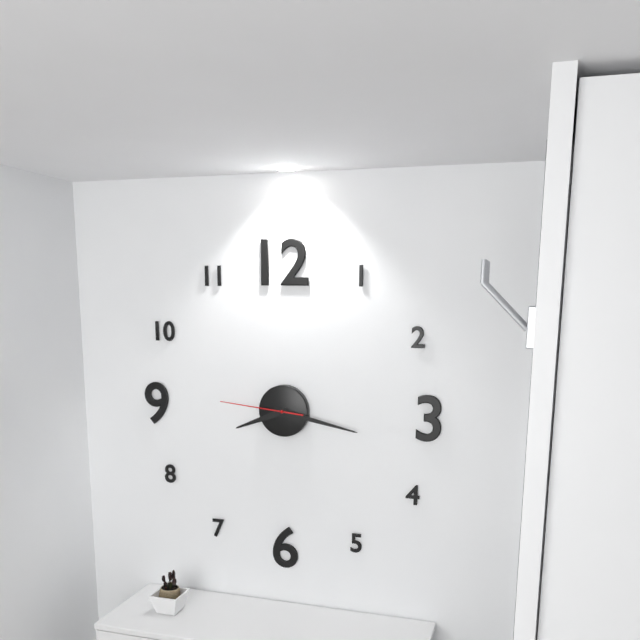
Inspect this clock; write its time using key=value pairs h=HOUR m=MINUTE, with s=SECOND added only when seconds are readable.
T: h=8 m=17 s=46
